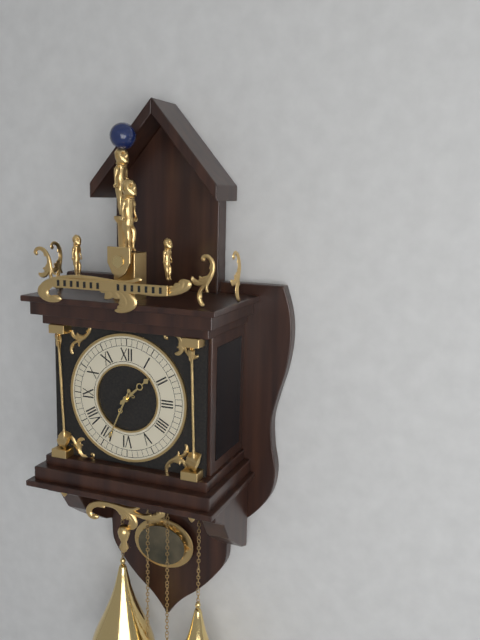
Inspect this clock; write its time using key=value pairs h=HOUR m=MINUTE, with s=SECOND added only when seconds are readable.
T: h=1 m=34
